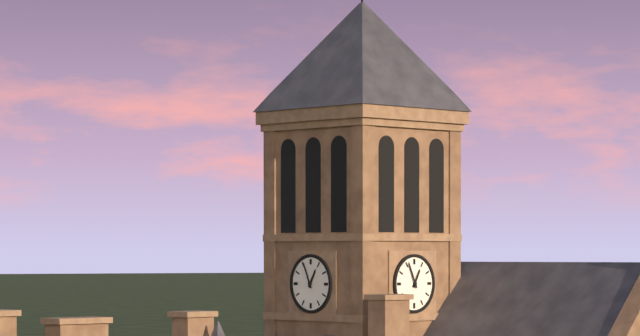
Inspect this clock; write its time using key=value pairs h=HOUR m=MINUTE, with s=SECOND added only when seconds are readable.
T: h=12 m=56
